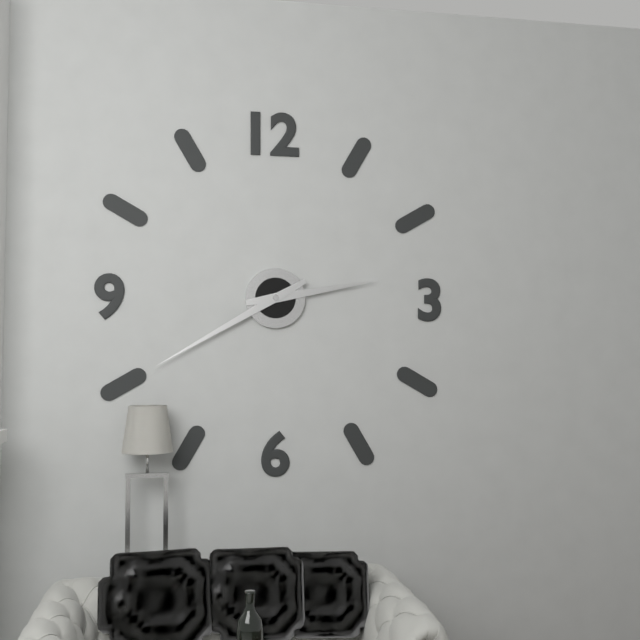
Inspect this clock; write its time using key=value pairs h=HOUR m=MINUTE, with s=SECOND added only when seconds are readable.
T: h=2 m=40
